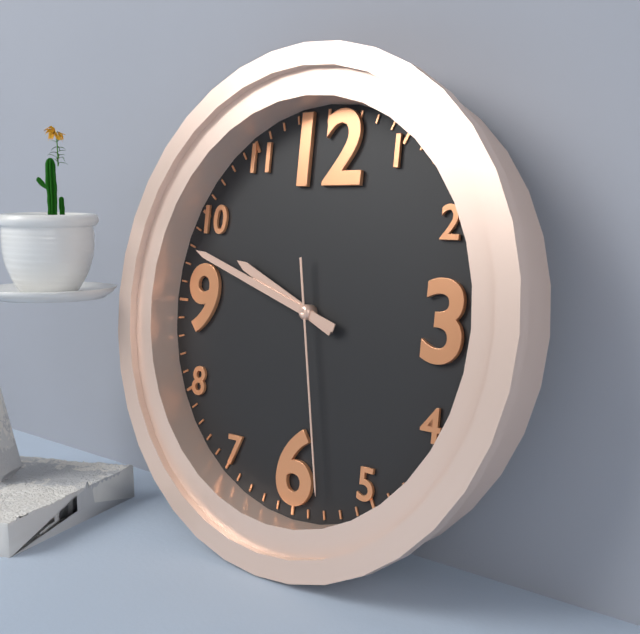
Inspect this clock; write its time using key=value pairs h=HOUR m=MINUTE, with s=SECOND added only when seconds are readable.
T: h=9 m=48 s=28
